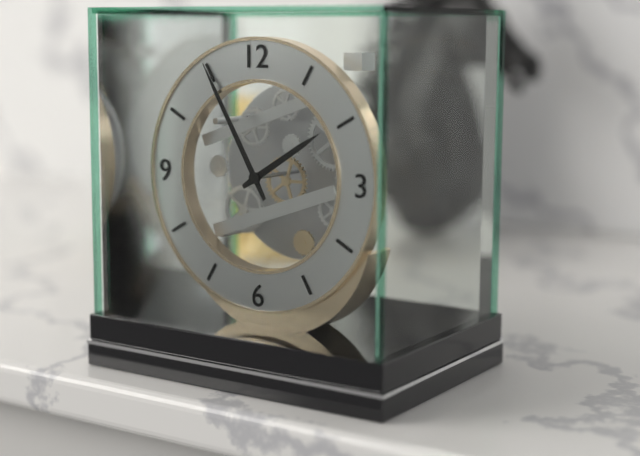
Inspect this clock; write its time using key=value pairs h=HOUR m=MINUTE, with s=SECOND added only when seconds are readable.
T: h=1 m=55
